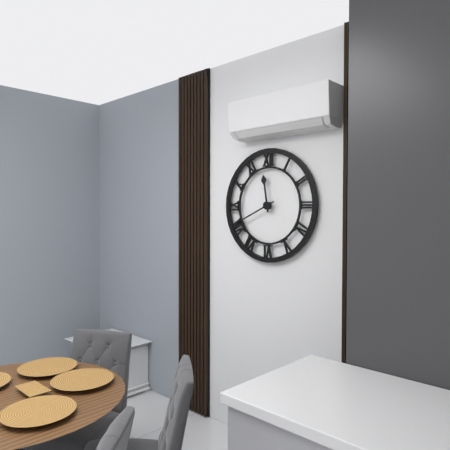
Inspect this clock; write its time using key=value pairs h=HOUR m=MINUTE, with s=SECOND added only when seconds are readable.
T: h=11 m=41
